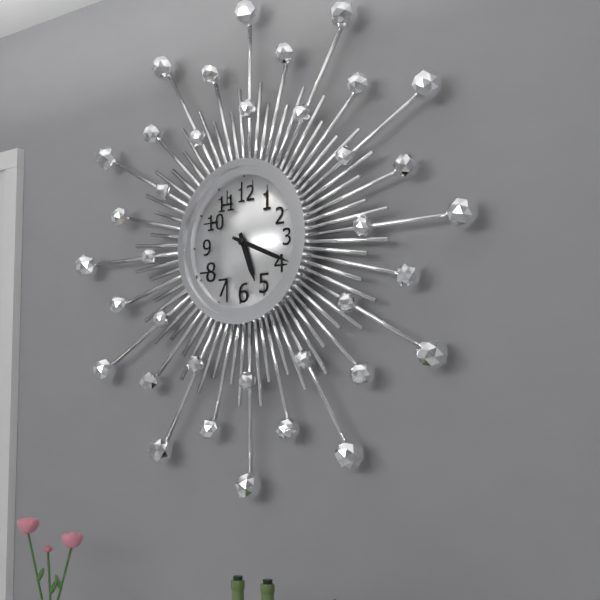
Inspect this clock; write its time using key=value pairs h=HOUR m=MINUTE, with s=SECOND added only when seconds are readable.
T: h=5 m=19
